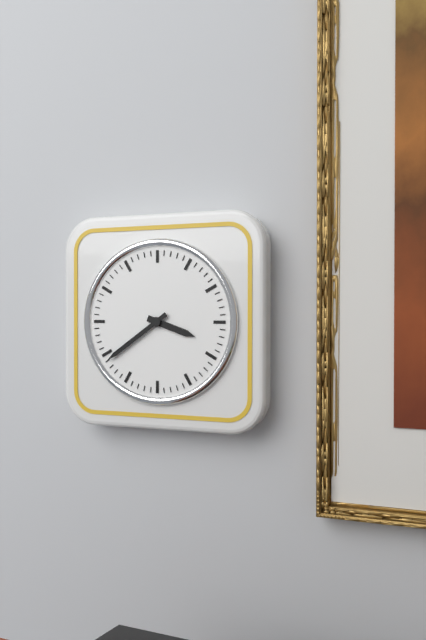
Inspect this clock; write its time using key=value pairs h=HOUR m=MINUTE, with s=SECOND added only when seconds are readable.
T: h=3 m=39
